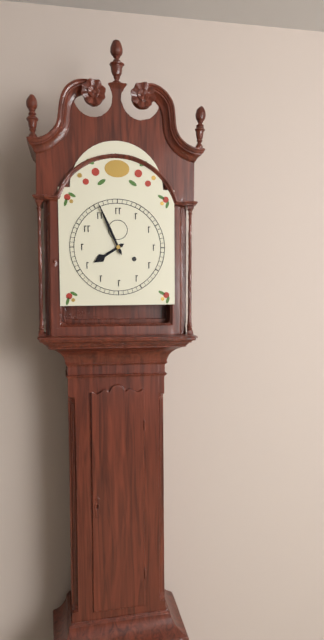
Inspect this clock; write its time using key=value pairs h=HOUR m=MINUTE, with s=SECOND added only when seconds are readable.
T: h=7 m=56
